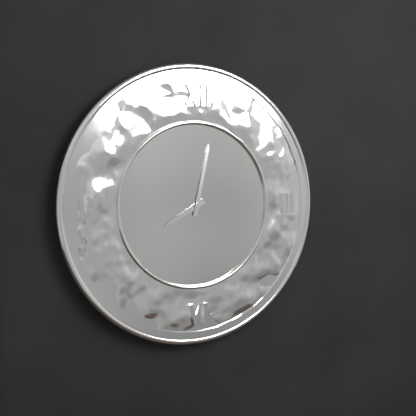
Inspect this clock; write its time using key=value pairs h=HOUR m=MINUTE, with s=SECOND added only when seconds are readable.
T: h=8 m=2
